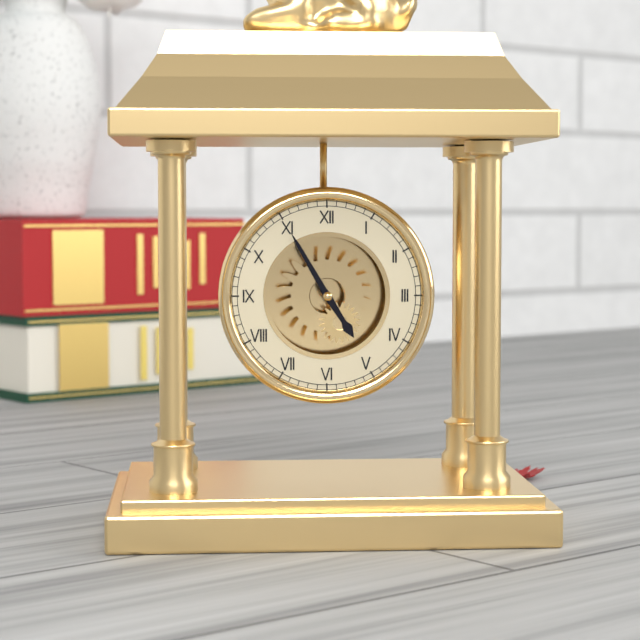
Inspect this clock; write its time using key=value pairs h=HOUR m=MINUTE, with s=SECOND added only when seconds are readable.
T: h=4 m=55
